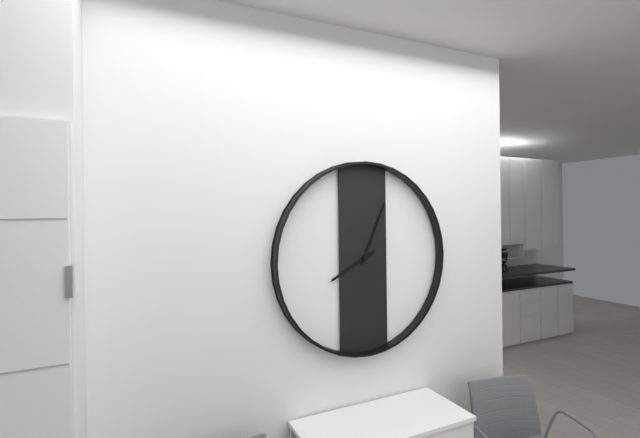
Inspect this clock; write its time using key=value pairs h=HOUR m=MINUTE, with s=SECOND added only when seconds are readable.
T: h=8 m=4
